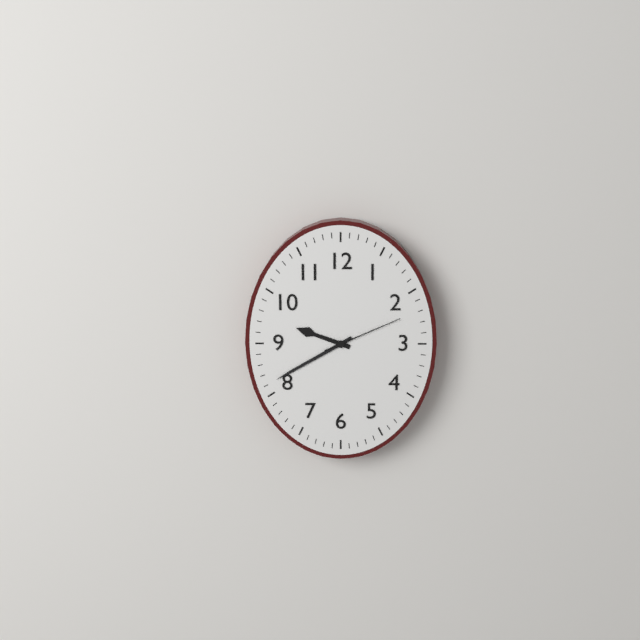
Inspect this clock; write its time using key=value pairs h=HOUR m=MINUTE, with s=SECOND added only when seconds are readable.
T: h=9 m=40 s=11
